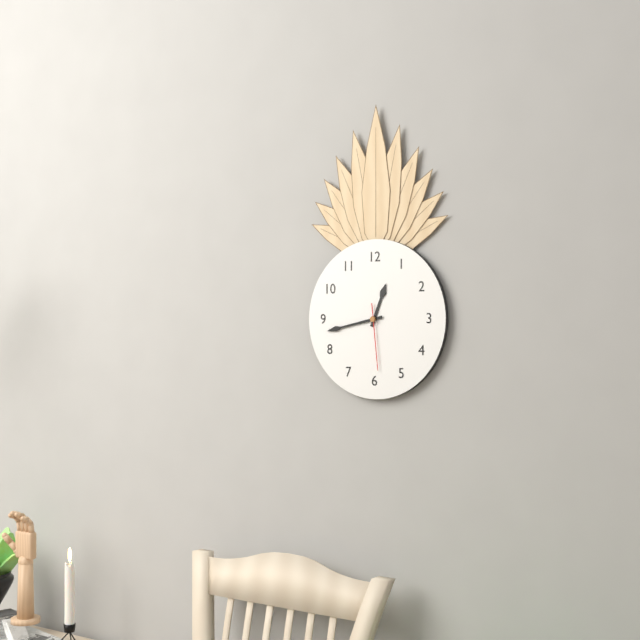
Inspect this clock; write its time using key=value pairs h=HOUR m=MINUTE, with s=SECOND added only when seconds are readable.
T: h=12 m=43 s=29
